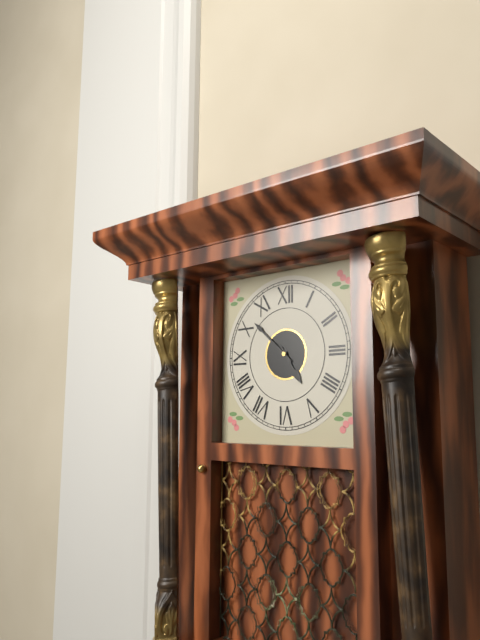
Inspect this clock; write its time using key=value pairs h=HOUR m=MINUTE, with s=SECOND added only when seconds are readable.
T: h=4 m=52
